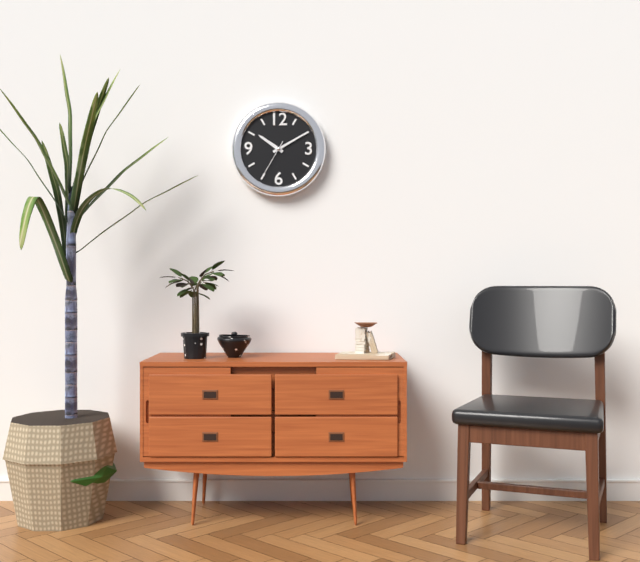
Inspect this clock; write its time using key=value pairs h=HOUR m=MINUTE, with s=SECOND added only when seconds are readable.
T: h=10 m=10
